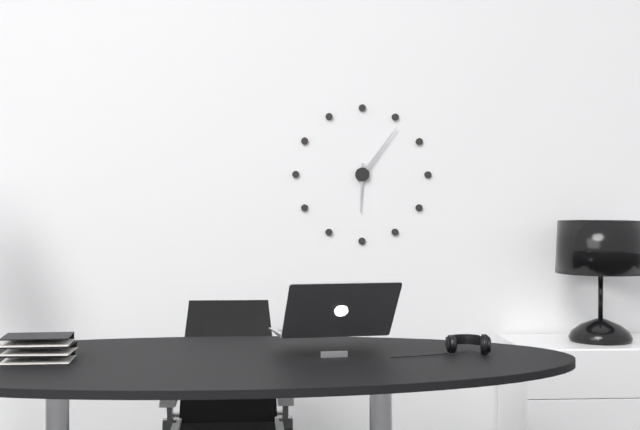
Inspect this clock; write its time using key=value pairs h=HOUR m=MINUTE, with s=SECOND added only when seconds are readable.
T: h=6 m=6
